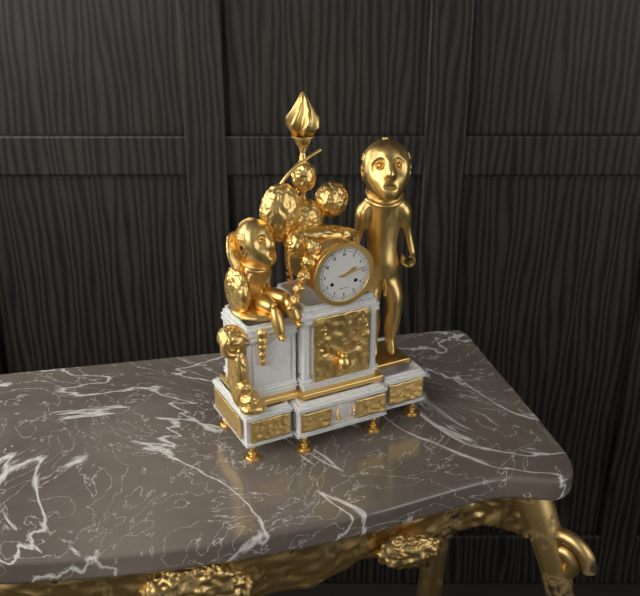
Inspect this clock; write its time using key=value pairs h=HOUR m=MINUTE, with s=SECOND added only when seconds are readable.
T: h=2 m=13
